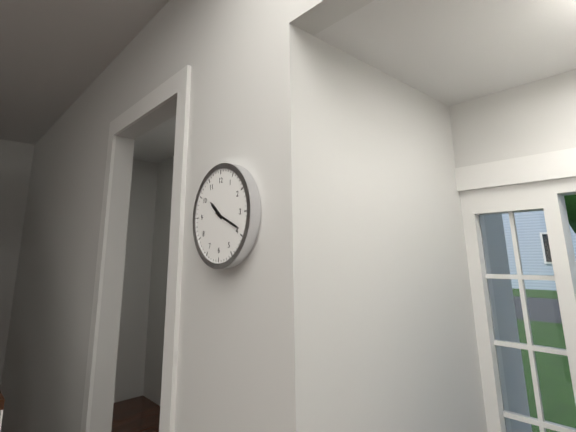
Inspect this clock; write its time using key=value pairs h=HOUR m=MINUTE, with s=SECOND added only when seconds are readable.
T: h=10 m=19
